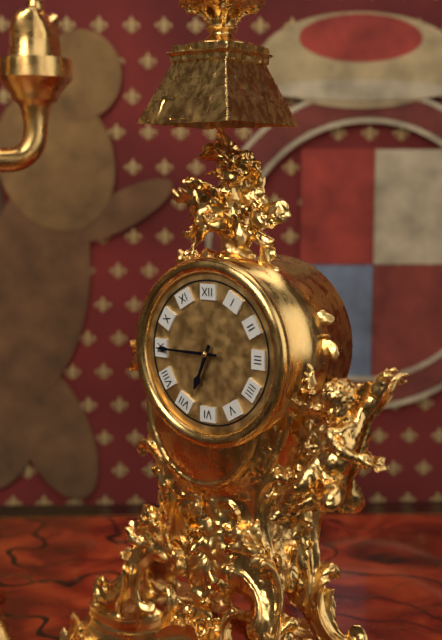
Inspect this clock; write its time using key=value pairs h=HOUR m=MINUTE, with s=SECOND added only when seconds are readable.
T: h=6 m=45
